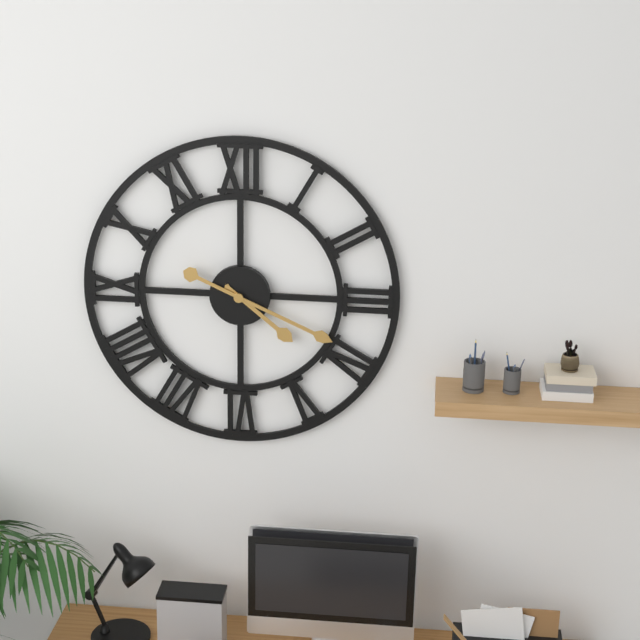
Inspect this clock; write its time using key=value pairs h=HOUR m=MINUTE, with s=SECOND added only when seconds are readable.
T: h=4 m=19
